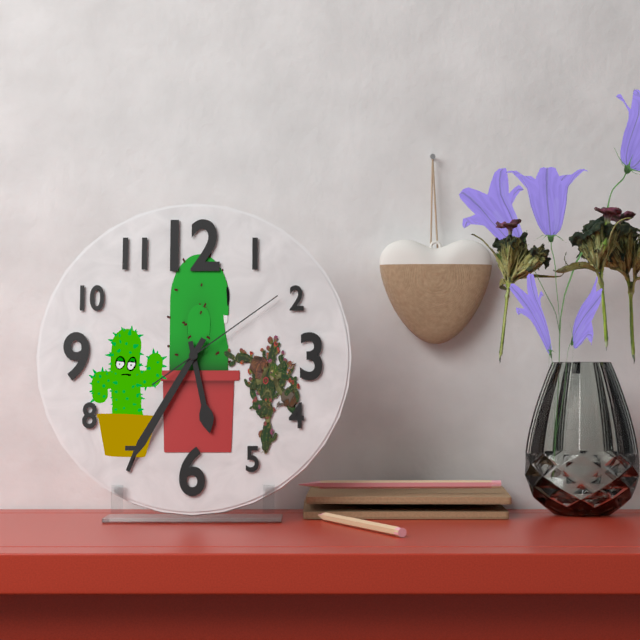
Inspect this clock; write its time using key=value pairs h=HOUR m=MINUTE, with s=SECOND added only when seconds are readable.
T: h=5 m=35 s=9
